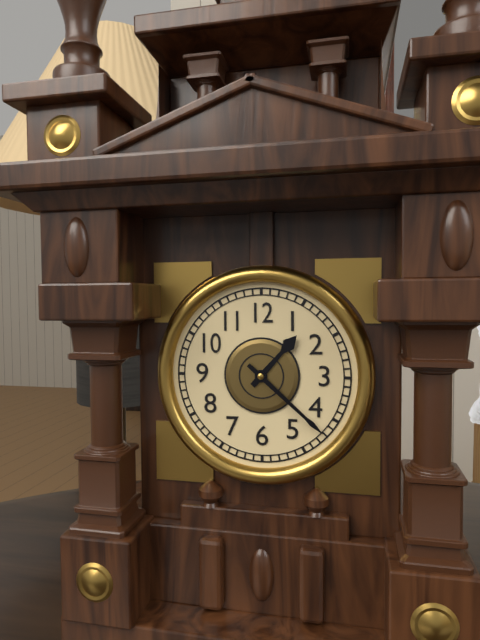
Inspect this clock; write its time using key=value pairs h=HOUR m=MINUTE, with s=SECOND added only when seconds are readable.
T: h=1 m=22
